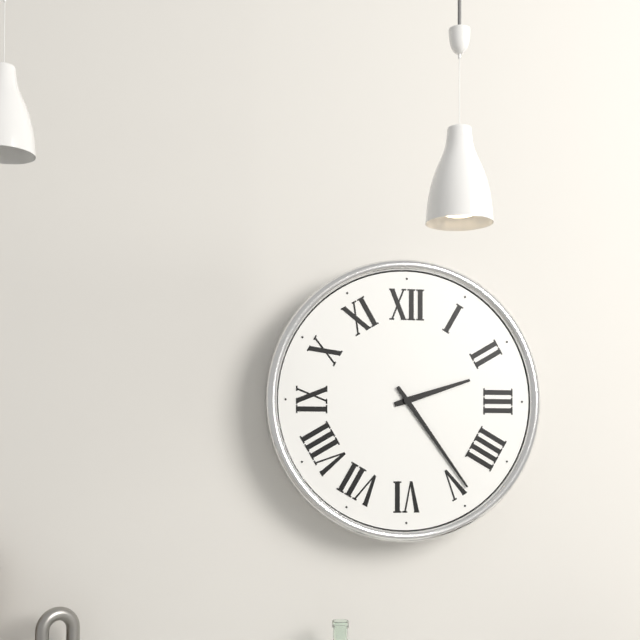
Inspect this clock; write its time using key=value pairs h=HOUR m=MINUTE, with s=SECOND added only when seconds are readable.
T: h=2 m=24
